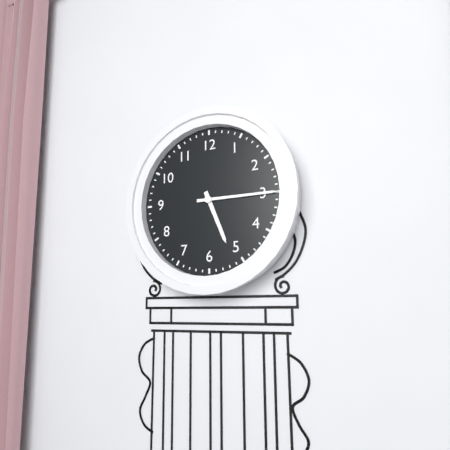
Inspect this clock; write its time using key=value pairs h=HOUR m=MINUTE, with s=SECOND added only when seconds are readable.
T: h=5 m=15
